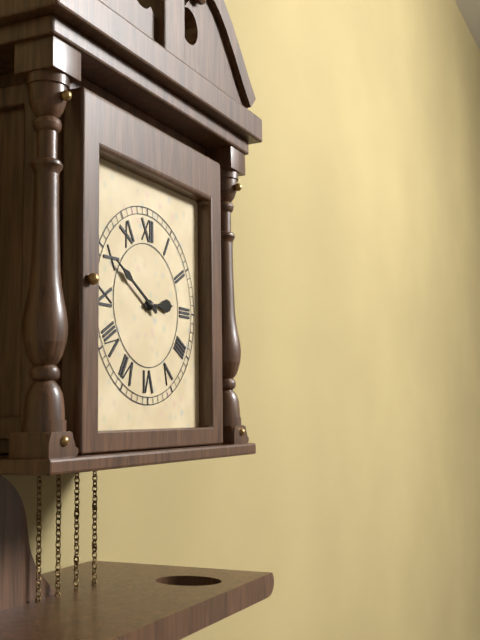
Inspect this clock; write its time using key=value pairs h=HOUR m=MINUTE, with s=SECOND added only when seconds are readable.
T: h=2 m=50
